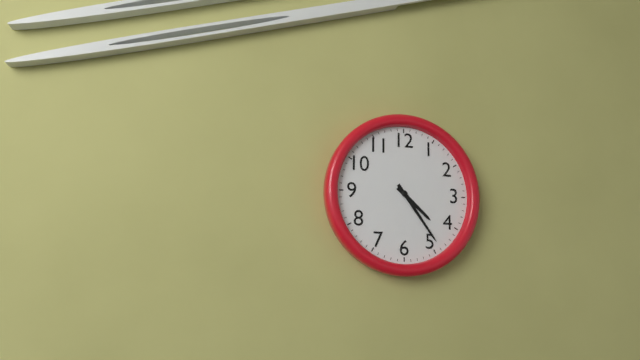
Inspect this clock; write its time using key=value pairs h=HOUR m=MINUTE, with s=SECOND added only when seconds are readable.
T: h=4 m=24
